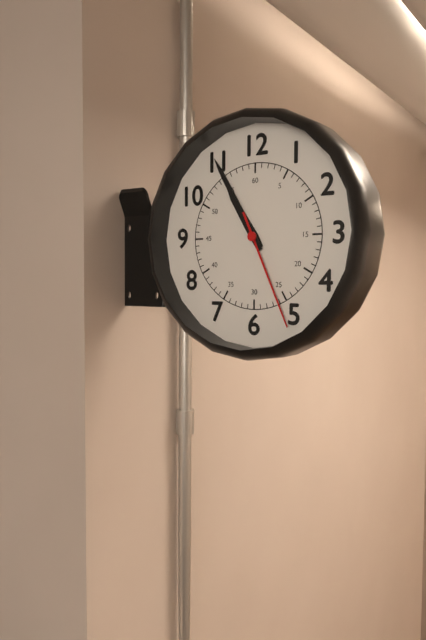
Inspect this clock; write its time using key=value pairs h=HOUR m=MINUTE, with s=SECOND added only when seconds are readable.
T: h=10 m=55 s=26
